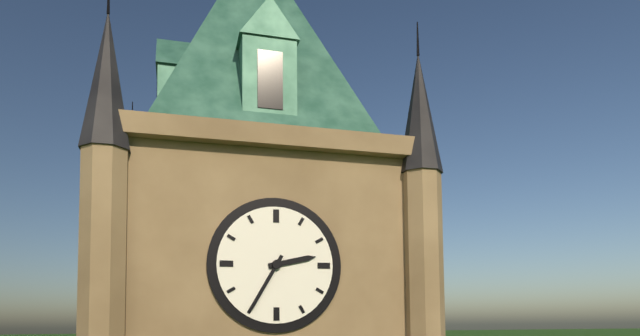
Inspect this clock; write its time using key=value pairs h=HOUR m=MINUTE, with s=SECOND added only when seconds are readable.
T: h=2 m=35
